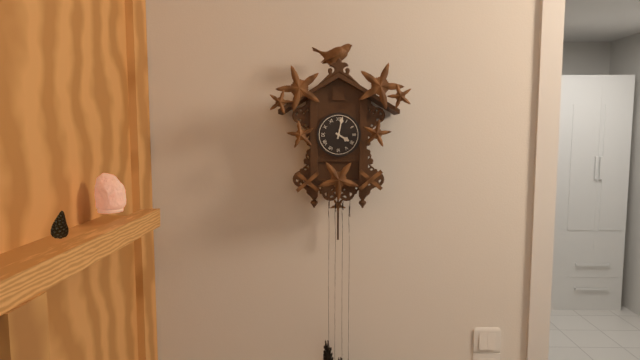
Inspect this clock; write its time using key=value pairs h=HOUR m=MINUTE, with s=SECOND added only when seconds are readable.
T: h=4 m=2
